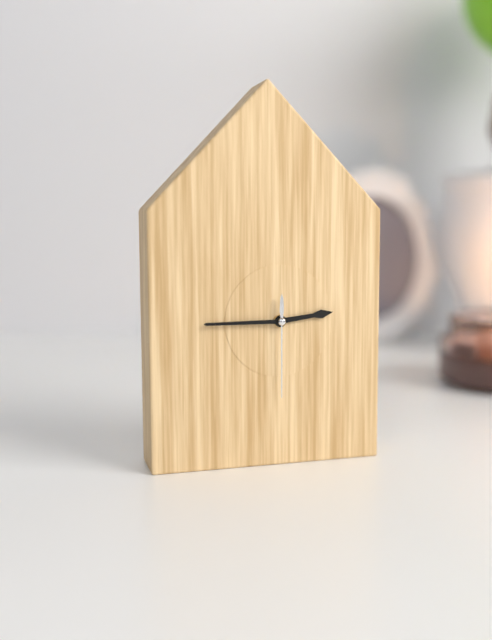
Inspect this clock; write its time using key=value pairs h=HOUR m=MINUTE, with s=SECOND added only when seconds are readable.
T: h=2 m=45 s=30
